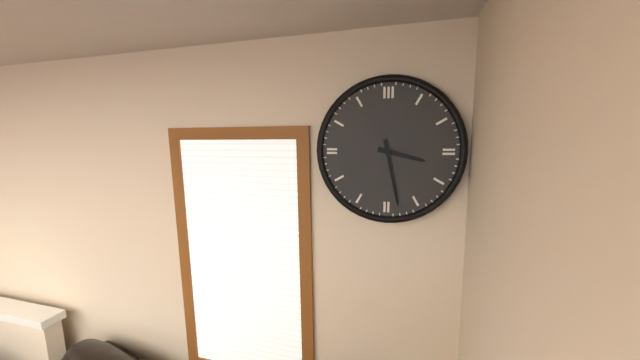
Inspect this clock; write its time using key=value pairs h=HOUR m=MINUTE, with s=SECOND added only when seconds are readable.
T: h=3 m=28
